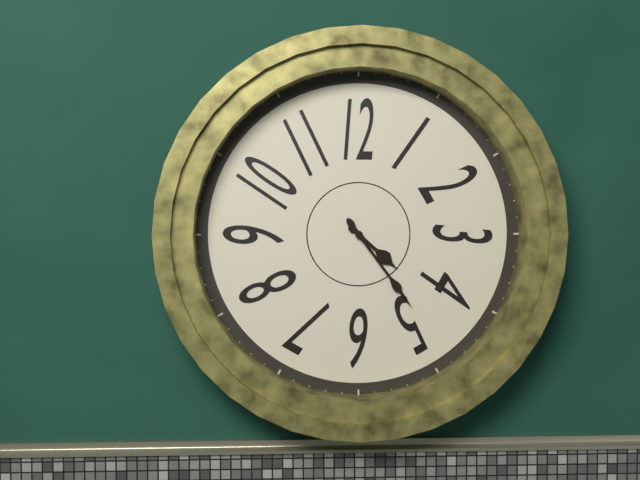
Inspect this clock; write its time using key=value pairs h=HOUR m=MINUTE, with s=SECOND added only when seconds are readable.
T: h=4 m=24
